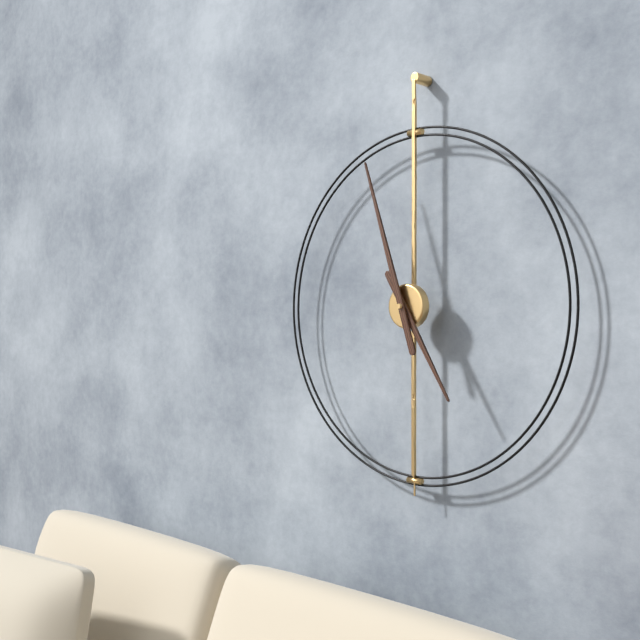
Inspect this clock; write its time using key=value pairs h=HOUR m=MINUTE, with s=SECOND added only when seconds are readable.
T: h=4 m=57
